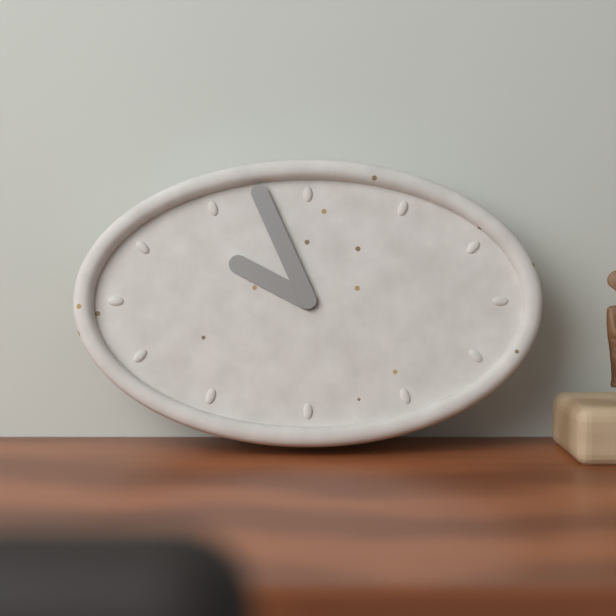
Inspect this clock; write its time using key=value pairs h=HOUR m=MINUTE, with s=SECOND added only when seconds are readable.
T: h=9 m=56
